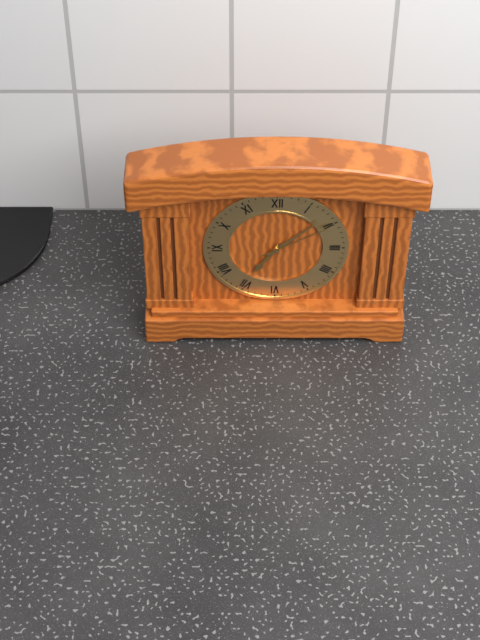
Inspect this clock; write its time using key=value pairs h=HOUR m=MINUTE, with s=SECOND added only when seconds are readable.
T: h=7 m=8 s=10
